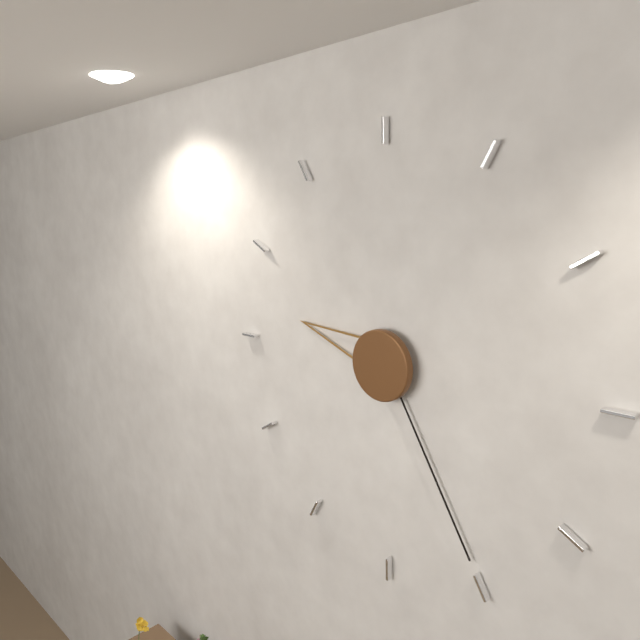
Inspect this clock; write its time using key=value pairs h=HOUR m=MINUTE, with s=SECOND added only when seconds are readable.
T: h=9 m=25
